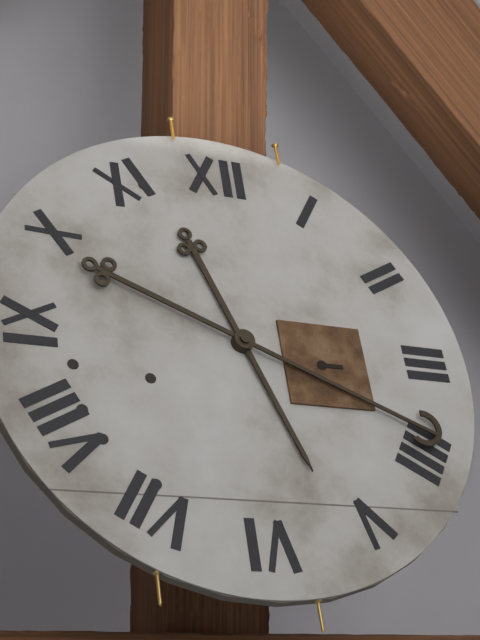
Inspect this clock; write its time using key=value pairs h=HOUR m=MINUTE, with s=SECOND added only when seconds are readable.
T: h=5 m=19
